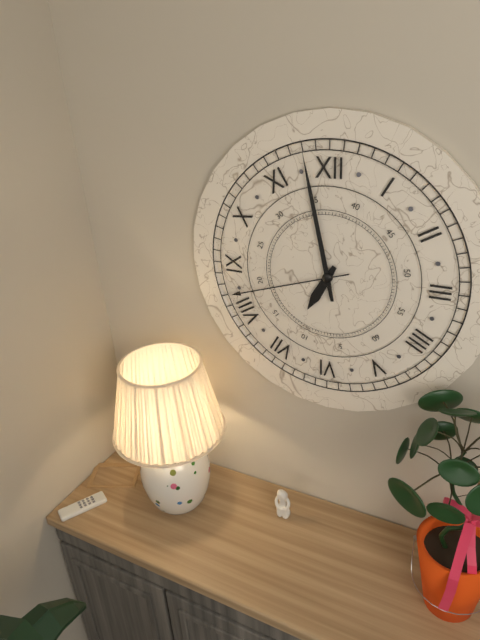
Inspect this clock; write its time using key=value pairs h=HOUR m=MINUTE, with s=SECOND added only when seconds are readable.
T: h=6 m=58 s=42
